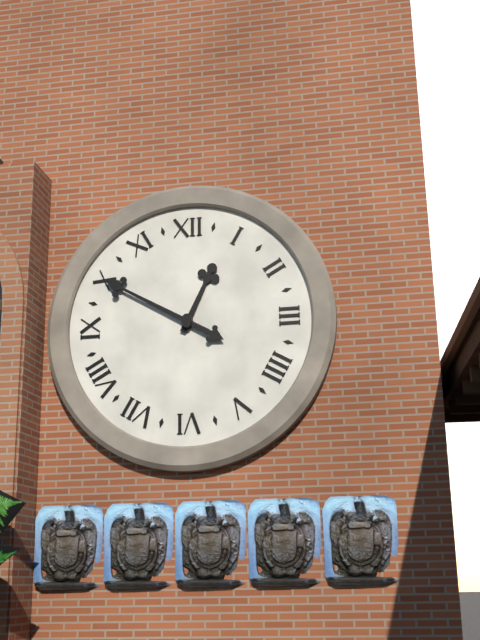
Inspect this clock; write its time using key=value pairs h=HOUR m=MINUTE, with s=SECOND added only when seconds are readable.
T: h=12 m=50
